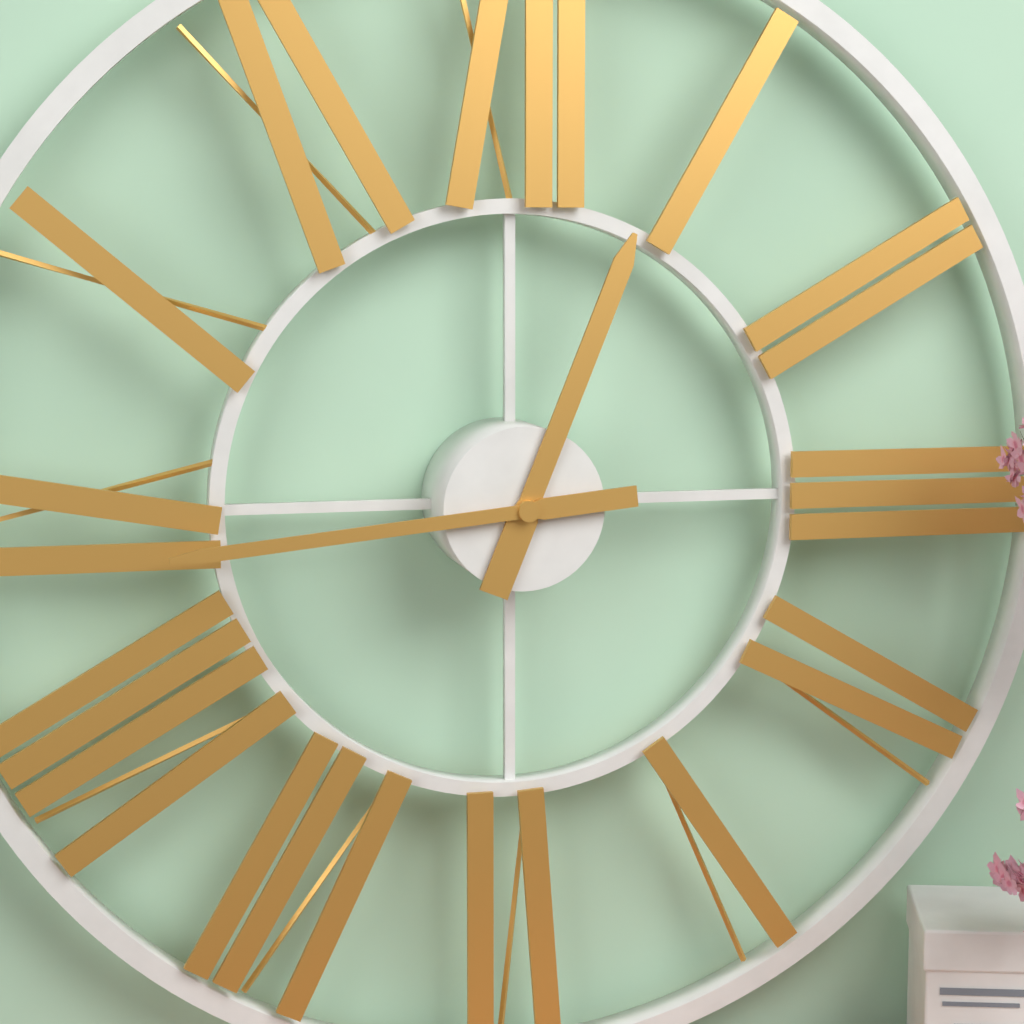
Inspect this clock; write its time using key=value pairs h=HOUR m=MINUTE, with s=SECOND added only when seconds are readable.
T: h=12 m=44
